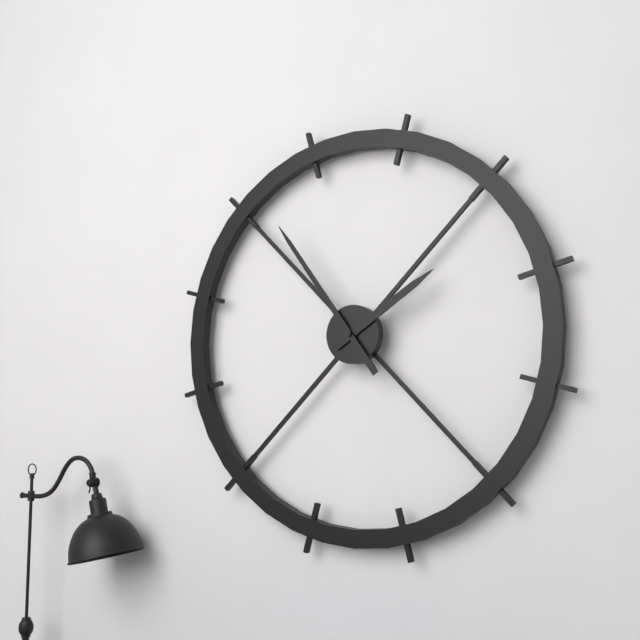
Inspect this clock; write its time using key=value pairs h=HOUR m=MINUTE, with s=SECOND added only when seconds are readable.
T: h=1 m=54
